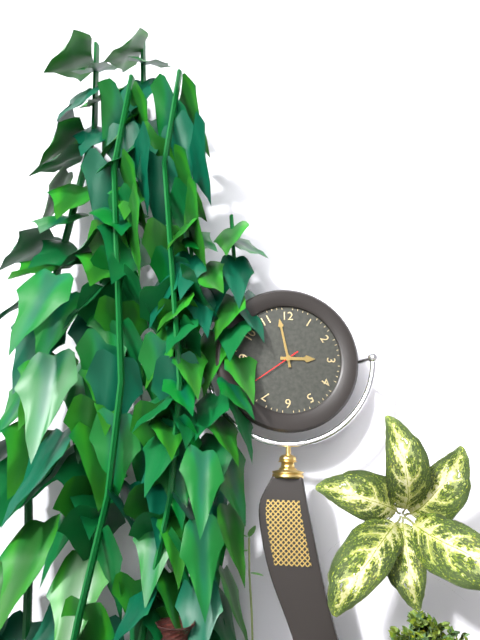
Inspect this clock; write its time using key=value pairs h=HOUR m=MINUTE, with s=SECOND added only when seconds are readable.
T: h=2 m=58 s=39
